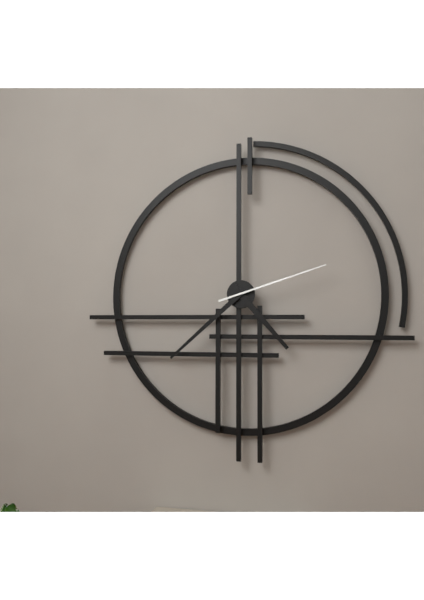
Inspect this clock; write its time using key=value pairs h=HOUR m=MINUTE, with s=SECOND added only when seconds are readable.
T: h=4 m=38 s=12
